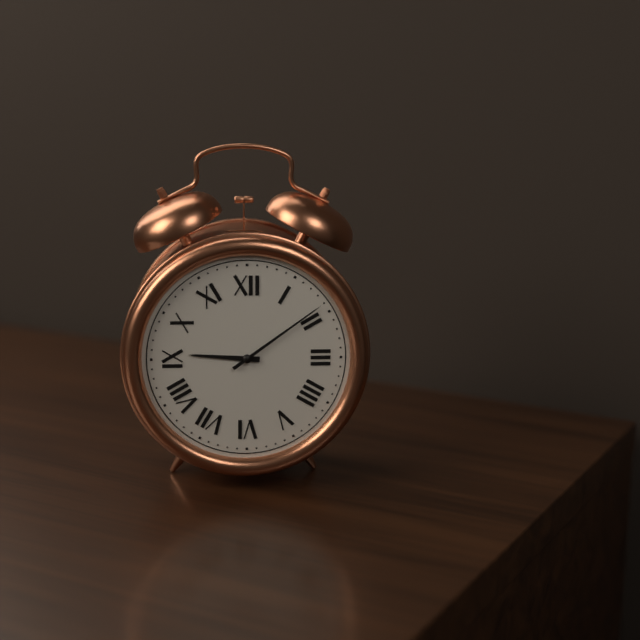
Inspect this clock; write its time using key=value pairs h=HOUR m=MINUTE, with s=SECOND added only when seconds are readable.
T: h=9 m=9
